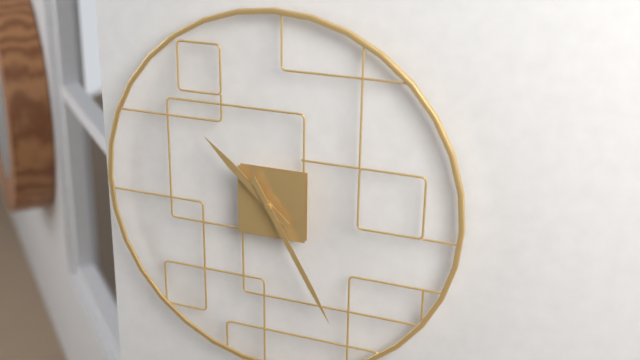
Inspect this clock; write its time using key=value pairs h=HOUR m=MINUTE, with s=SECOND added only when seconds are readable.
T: h=10 m=25
